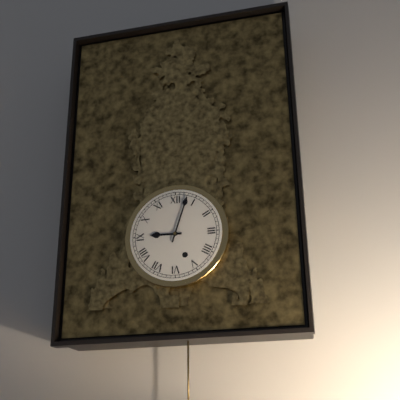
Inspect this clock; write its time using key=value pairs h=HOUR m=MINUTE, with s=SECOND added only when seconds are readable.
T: h=9 m=3
